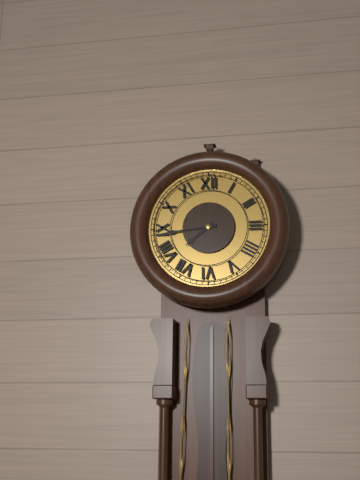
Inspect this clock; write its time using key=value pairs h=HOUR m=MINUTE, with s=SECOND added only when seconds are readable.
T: h=7 m=44
